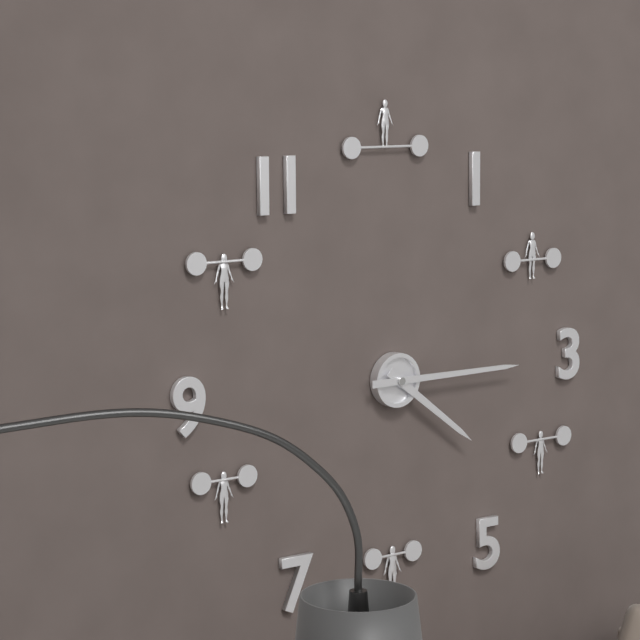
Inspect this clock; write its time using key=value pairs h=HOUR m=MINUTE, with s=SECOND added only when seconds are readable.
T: h=4 m=15
